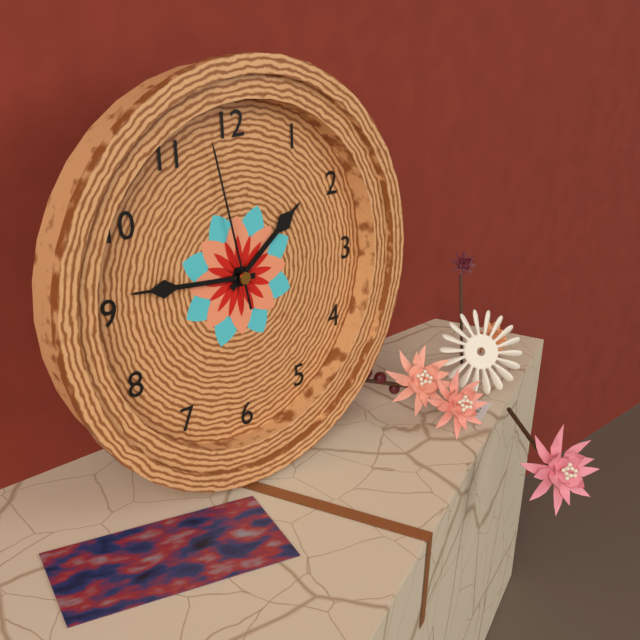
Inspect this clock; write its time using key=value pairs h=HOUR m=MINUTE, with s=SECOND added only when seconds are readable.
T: h=1 m=46 s=58
